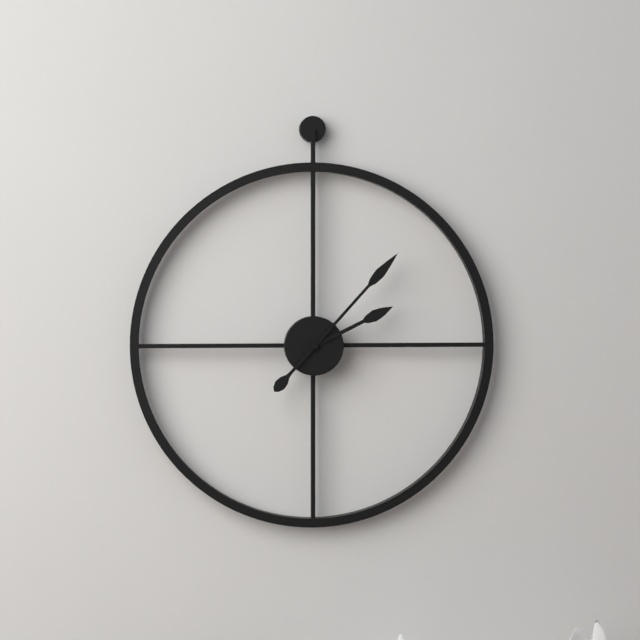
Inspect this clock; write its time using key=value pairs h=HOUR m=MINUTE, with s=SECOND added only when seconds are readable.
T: h=2 m=7
